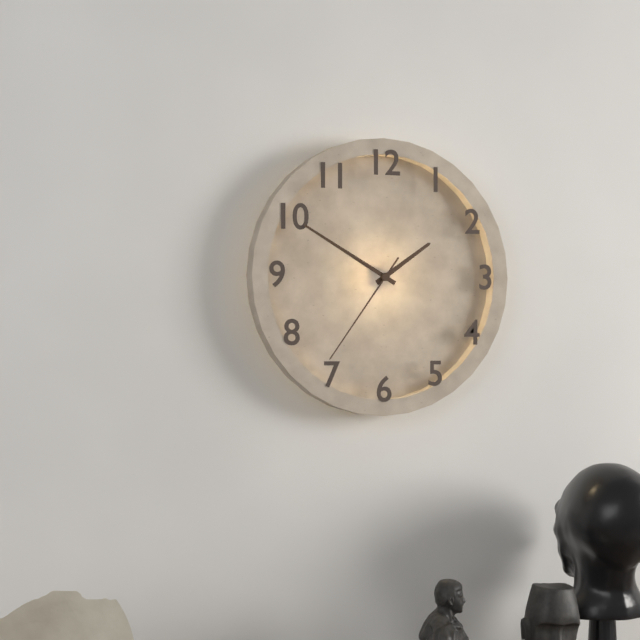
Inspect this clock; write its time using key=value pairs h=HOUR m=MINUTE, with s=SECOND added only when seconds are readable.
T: h=1 m=50 s=36
